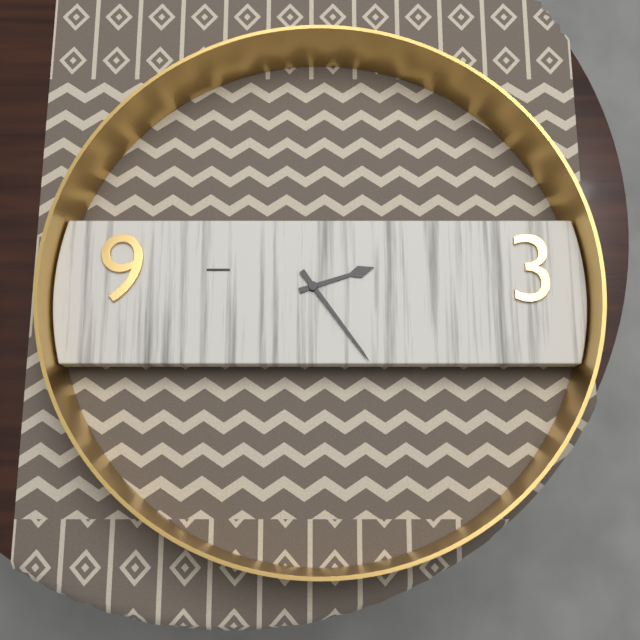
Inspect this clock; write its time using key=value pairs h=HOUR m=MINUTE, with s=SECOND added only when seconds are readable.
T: h=2 m=24
